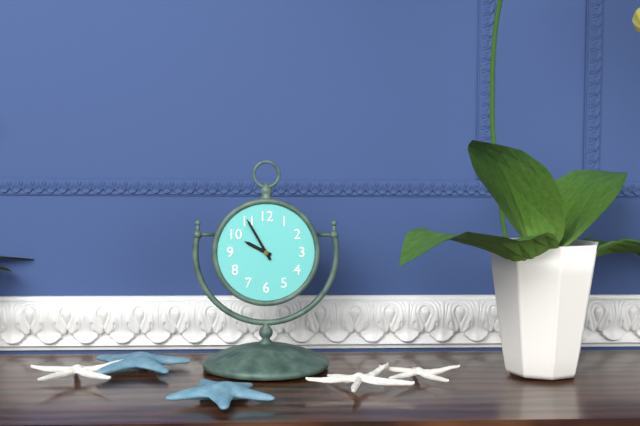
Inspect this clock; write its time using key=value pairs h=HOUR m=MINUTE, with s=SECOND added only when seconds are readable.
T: h=9 m=55
